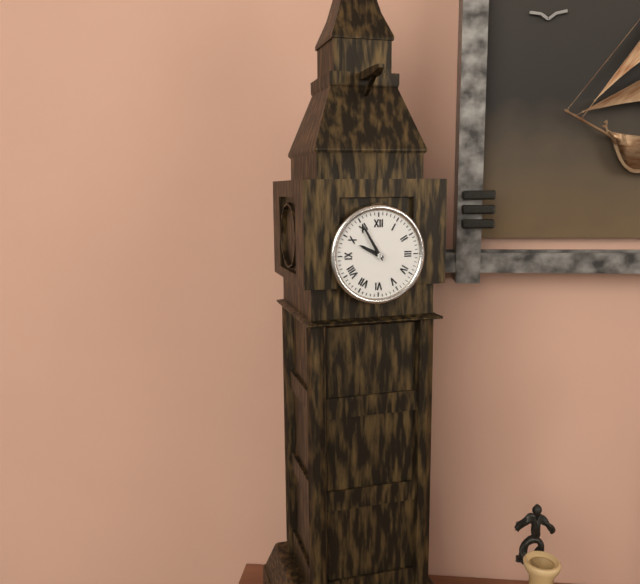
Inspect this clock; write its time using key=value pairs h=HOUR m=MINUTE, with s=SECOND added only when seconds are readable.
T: h=9 m=55
